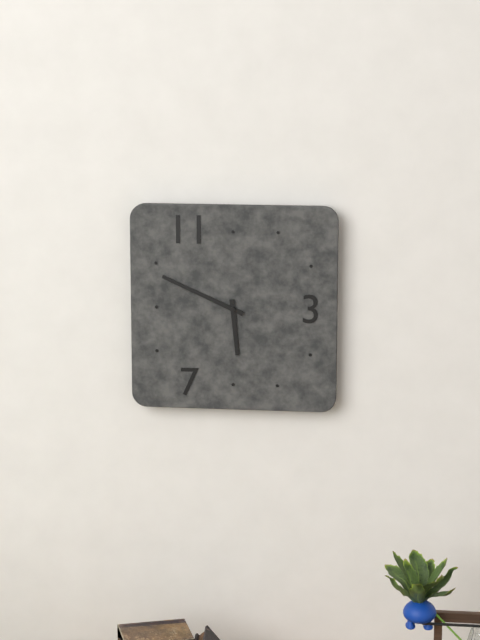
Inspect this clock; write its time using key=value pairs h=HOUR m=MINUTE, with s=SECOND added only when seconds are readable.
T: h=5 m=49
